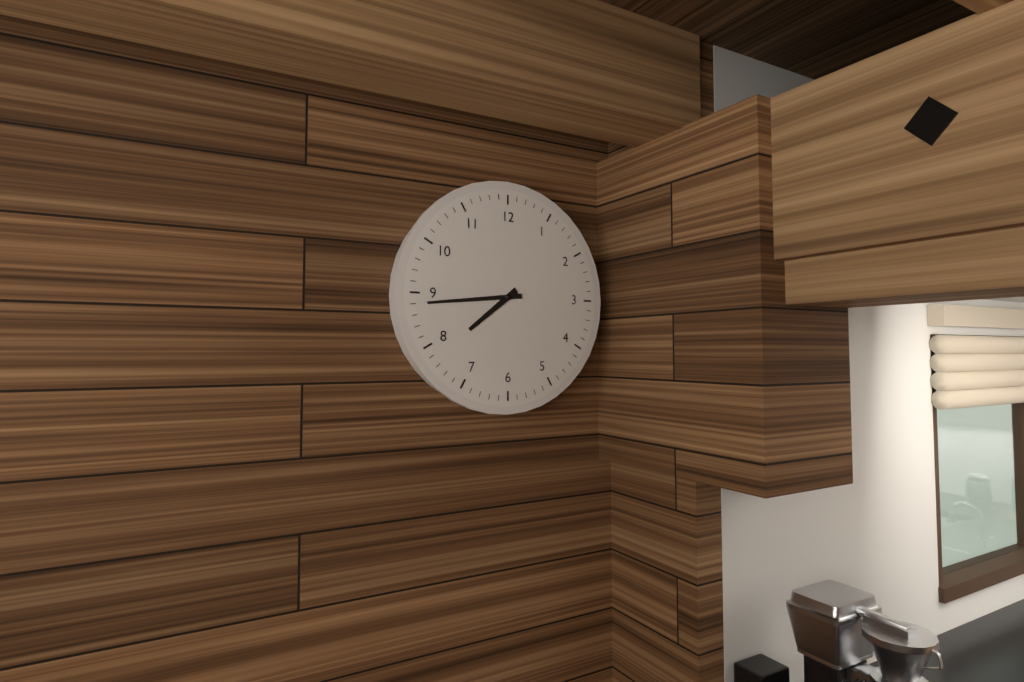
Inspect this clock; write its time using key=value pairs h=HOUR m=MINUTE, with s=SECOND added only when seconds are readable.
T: h=7 m=44
